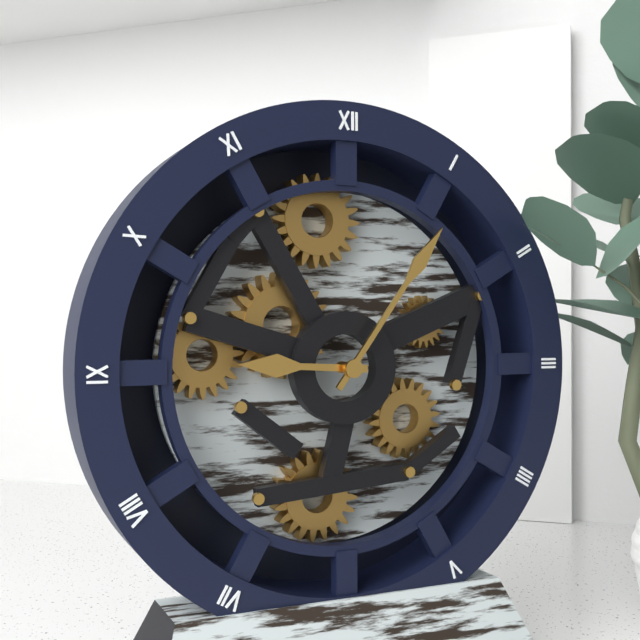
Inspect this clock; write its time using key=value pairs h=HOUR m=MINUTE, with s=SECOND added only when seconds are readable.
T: h=9 m=6
